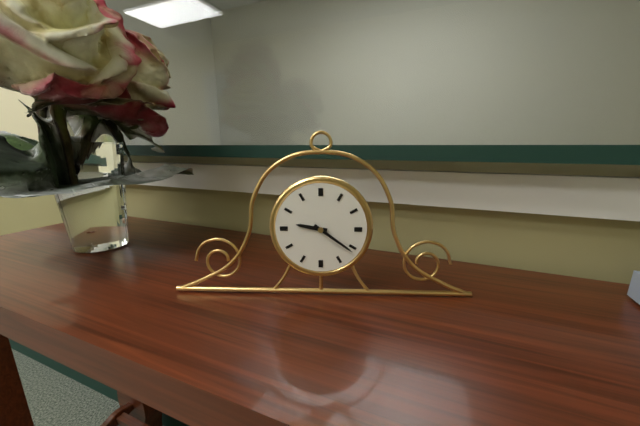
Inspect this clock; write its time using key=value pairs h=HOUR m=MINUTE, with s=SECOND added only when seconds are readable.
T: h=9 m=21
